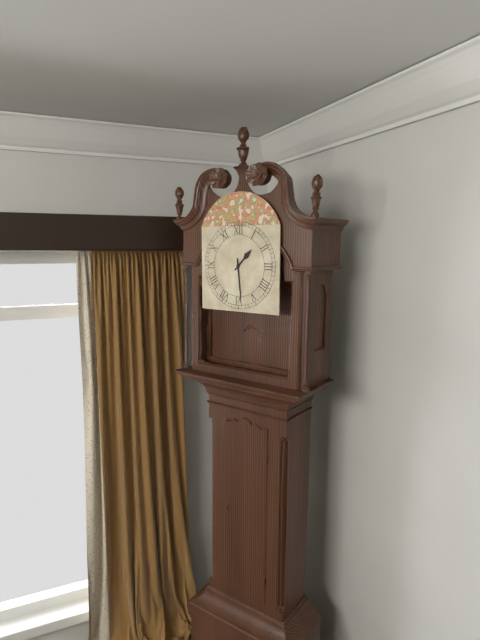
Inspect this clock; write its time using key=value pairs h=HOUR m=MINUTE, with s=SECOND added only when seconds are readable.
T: h=1 m=29
